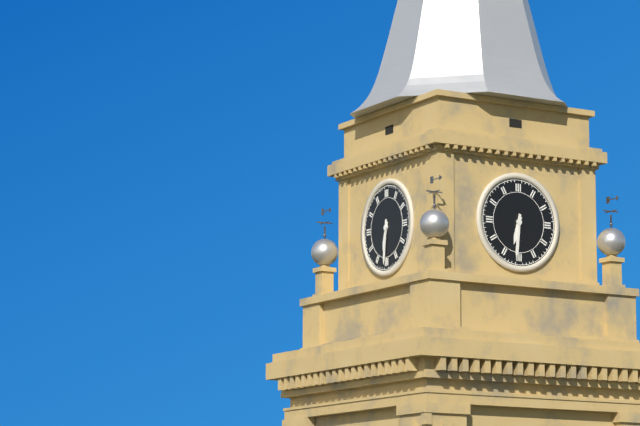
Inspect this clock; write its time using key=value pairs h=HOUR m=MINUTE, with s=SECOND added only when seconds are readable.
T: h=6 m=31
